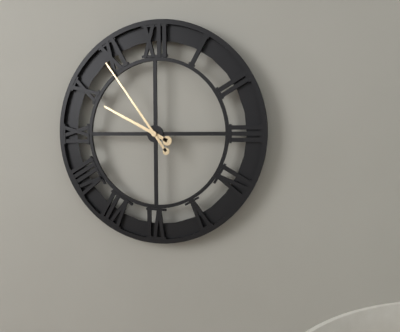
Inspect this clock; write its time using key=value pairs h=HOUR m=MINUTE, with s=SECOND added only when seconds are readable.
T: h=9 m=54
